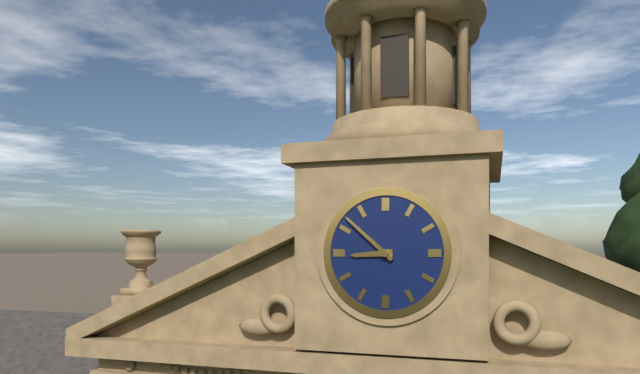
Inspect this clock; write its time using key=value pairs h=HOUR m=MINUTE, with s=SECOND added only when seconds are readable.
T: h=8 m=52
